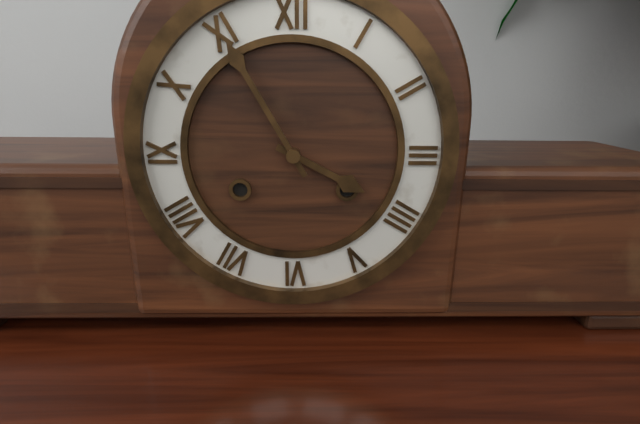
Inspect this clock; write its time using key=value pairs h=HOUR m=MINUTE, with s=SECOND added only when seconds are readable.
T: h=3 m=55
